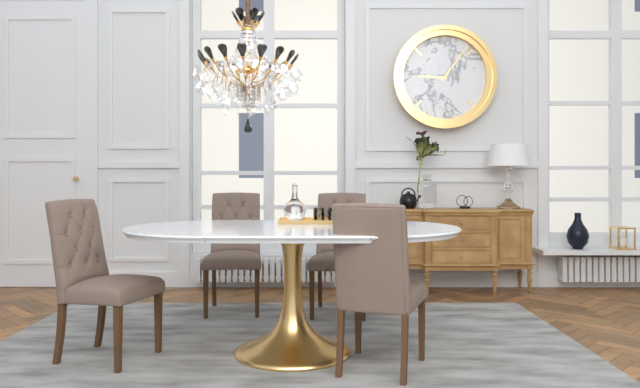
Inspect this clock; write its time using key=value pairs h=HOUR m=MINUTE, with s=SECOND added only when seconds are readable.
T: h=9 m=6
